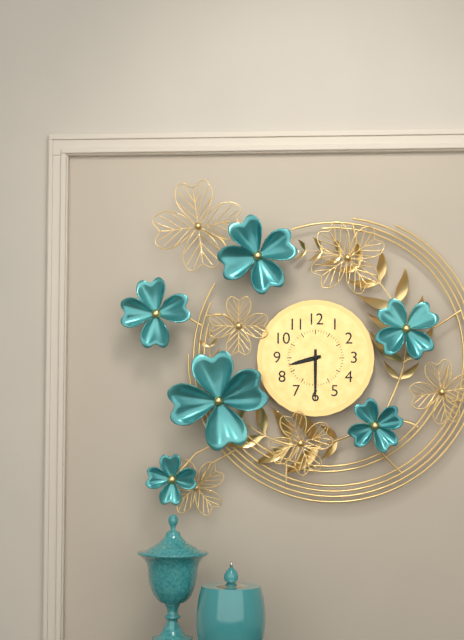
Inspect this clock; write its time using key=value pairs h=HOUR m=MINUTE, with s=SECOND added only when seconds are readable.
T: h=8 m=30
